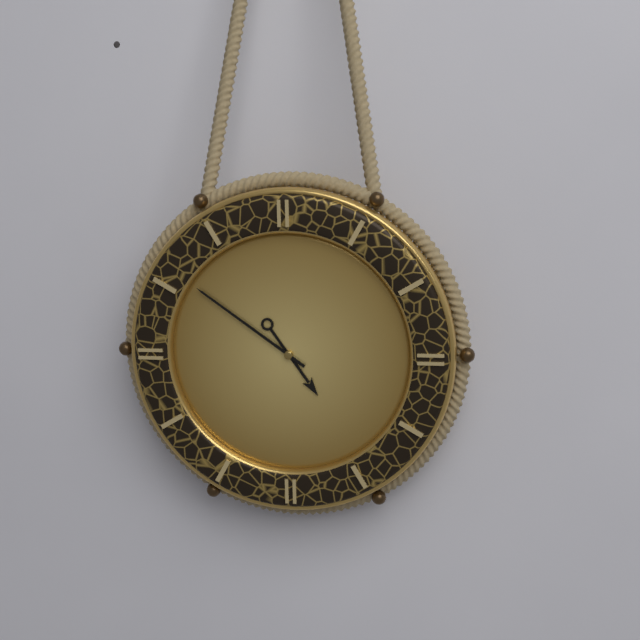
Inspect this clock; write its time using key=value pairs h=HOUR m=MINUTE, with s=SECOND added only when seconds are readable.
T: h=4 m=51
